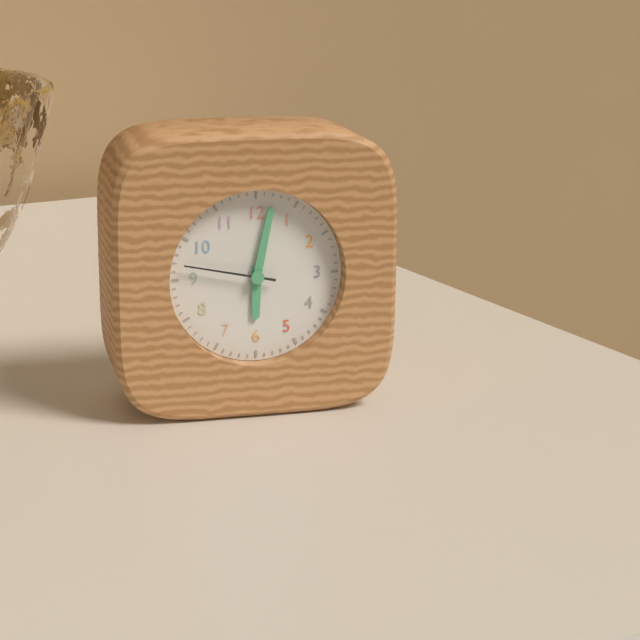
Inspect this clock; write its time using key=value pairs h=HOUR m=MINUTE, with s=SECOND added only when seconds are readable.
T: h=6 m=2 s=47
